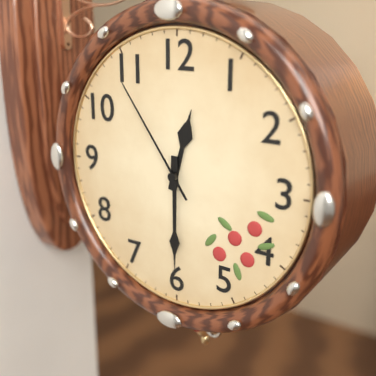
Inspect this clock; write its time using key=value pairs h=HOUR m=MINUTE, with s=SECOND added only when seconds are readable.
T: h=12 m=30 s=54
